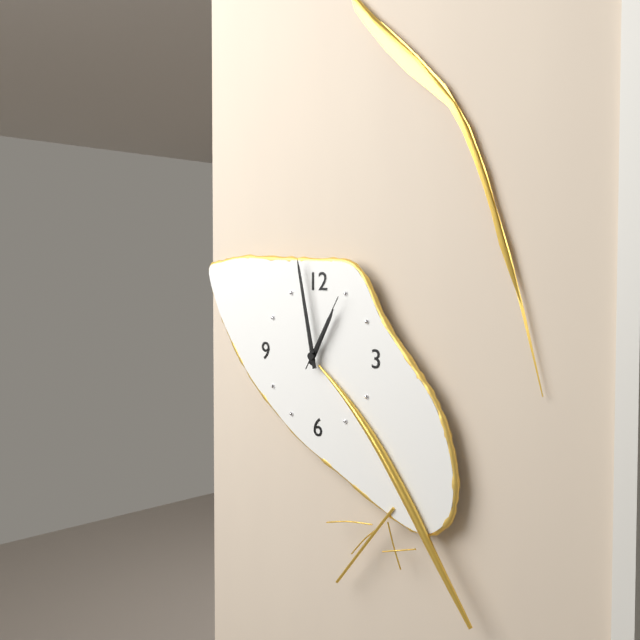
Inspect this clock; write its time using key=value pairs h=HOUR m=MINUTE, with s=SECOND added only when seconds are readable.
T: h=12 m=58 s=5
